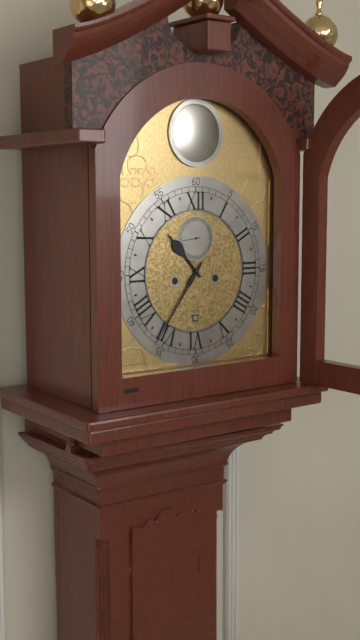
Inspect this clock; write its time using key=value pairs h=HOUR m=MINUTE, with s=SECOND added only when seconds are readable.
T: h=10 m=36
